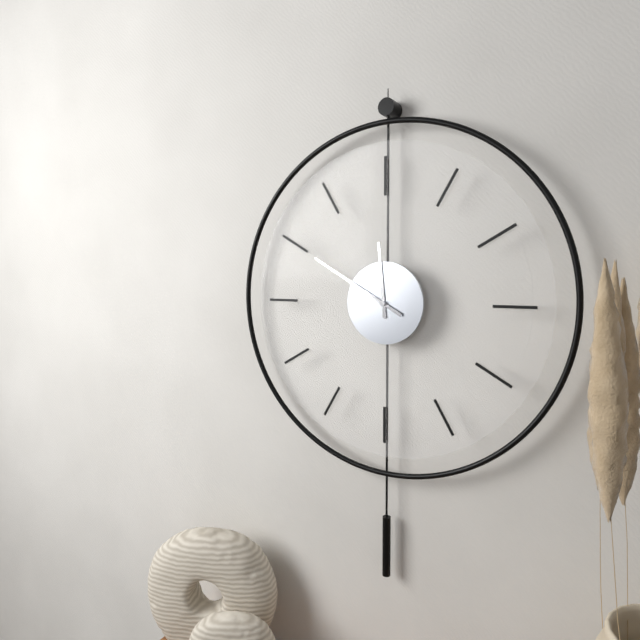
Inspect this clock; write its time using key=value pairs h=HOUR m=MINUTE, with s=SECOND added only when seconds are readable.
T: h=11 m=50
